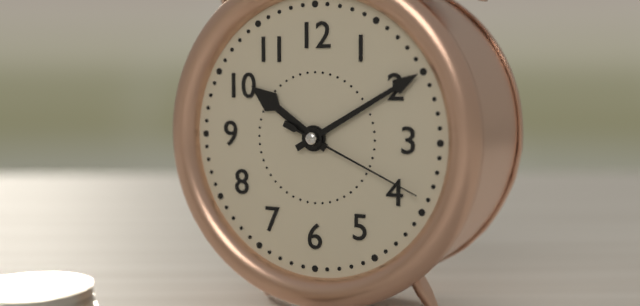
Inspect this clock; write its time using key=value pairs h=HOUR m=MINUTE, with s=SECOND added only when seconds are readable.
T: h=10 m=10 s=19
